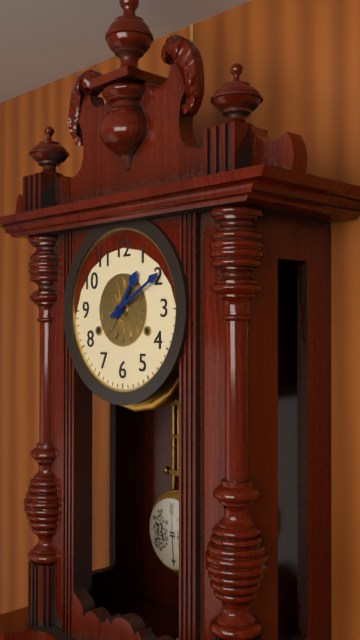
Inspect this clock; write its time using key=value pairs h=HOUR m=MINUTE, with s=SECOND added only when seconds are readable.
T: h=1 m=10
